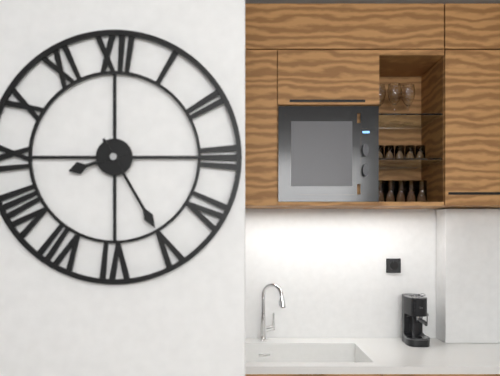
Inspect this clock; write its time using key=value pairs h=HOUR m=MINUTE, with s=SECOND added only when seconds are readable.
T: h=8 m=25
